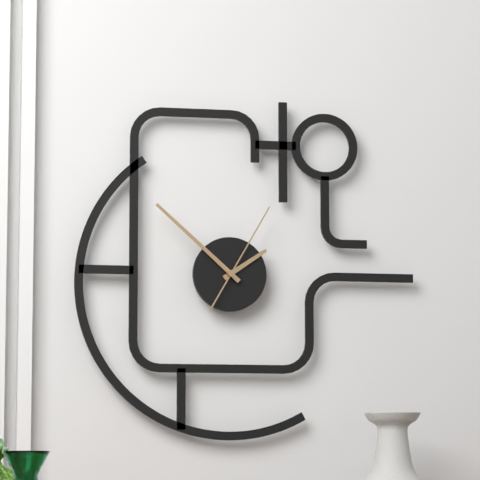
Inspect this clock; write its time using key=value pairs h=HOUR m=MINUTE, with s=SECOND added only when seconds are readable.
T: h=1 m=52 s=5
